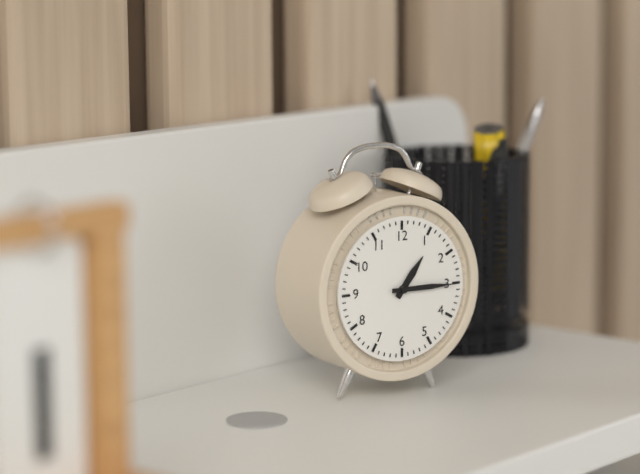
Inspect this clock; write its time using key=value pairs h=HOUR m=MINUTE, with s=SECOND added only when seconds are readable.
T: h=1 m=15
